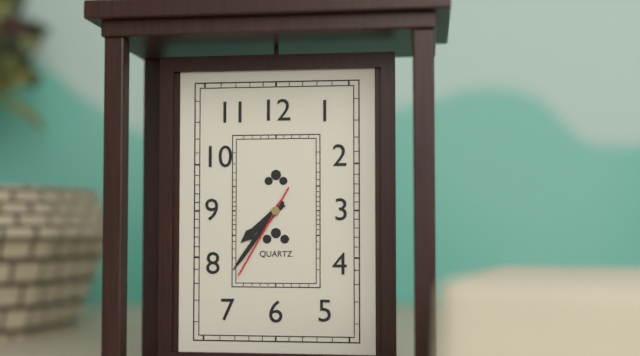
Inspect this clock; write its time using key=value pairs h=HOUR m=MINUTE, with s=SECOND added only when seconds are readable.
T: h=7 m=36 s=35
